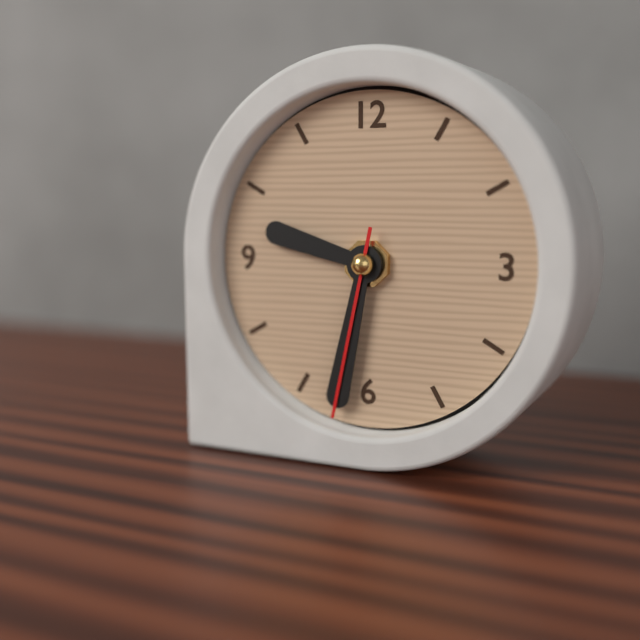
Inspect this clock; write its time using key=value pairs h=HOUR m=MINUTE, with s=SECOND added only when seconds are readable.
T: h=9 m=32 s=32
